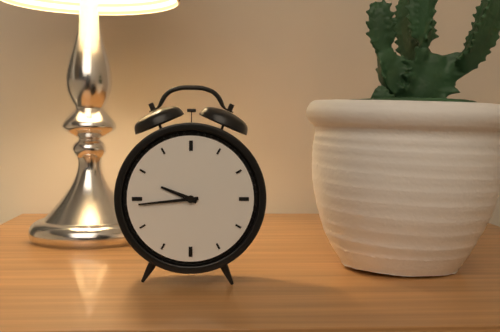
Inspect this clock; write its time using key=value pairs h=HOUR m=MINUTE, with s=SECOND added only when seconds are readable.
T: h=9 m=44
